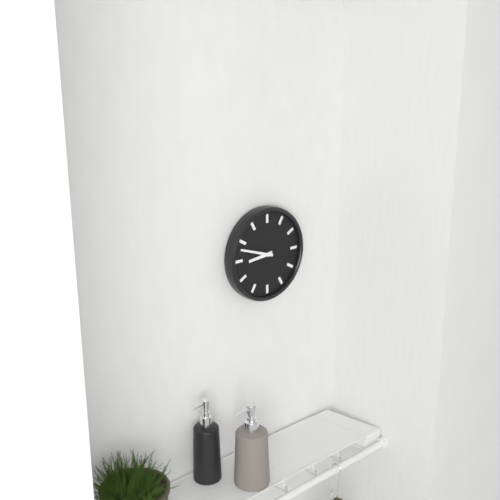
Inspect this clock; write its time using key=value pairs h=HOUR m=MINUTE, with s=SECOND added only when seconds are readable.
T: h=8 m=48
